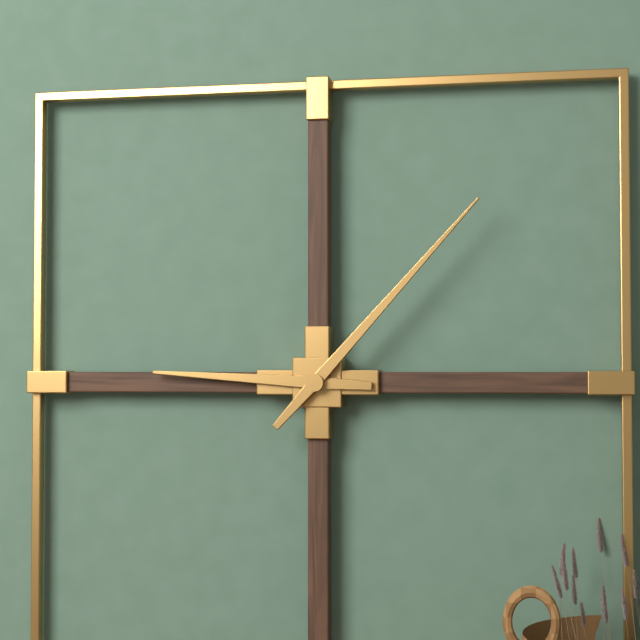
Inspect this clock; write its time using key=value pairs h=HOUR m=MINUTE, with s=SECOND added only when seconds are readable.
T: h=9 m=7
